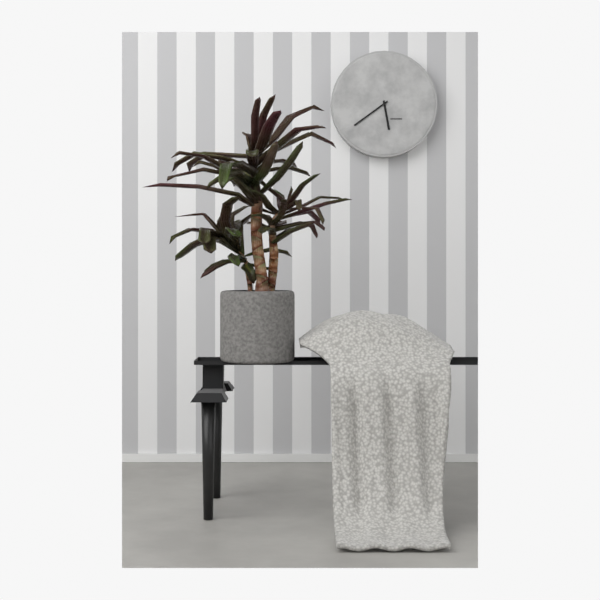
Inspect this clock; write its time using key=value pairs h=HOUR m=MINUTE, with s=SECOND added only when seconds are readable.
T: h=5 m=39
